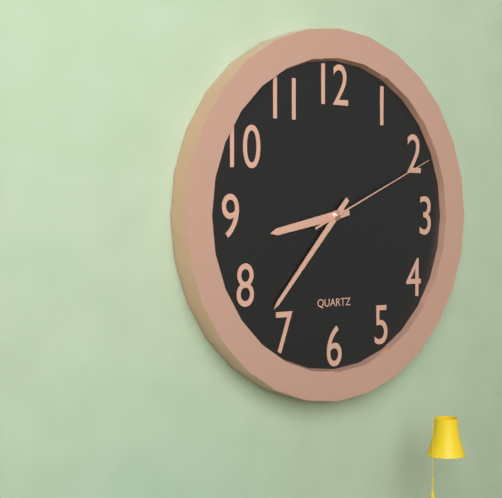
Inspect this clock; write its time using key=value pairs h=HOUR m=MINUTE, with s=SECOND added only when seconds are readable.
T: h=8 m=37 s=11
